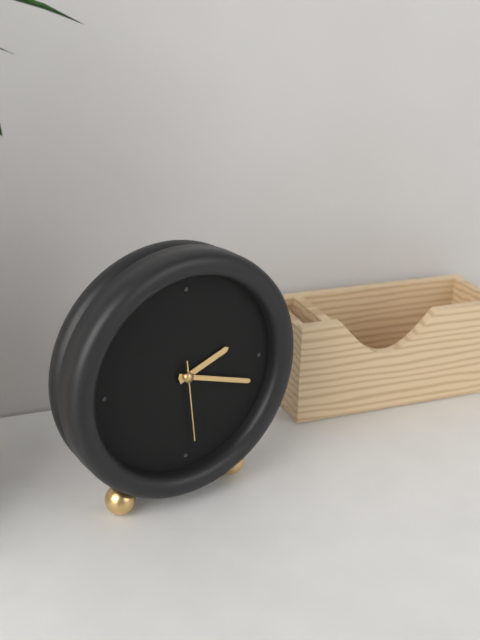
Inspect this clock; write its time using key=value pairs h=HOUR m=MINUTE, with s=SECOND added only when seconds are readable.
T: h=2 m=18 s=29
